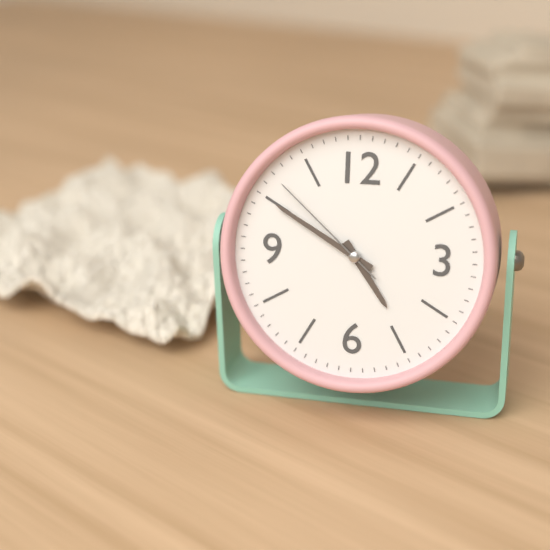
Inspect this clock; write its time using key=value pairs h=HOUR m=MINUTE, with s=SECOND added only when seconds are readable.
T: h=4 m=50 s=52
